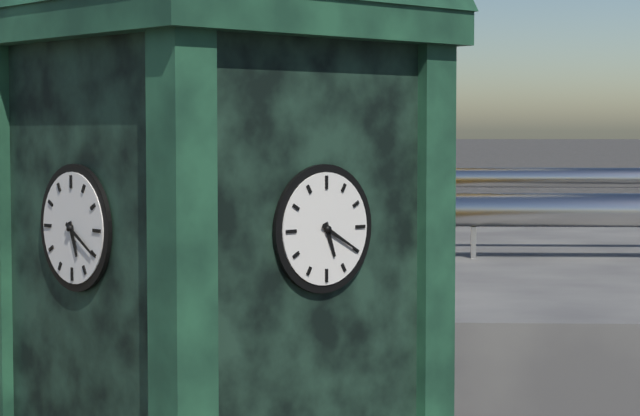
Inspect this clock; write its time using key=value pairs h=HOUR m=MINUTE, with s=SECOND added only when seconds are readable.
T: h=5 m=20
